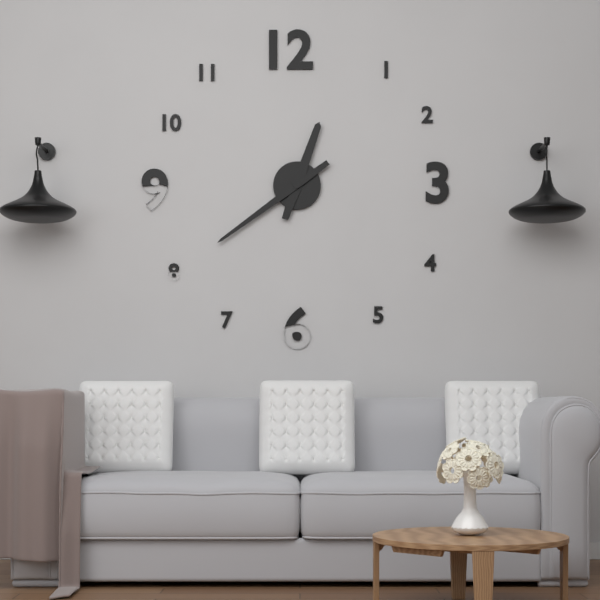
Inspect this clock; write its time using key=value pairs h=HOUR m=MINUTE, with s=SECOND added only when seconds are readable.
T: h=12 m=39
